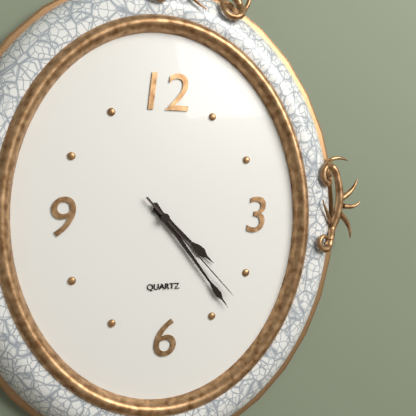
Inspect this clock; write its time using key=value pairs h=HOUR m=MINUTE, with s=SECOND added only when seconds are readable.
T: h=4 m=24 s=23
